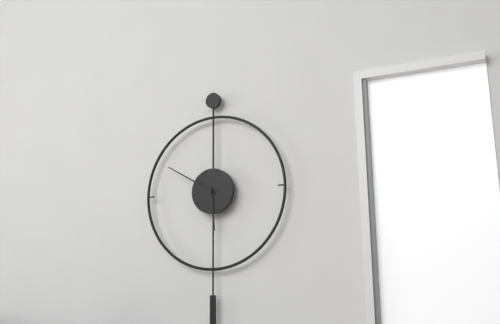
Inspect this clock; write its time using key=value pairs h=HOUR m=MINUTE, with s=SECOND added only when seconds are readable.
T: h=5 m=50
